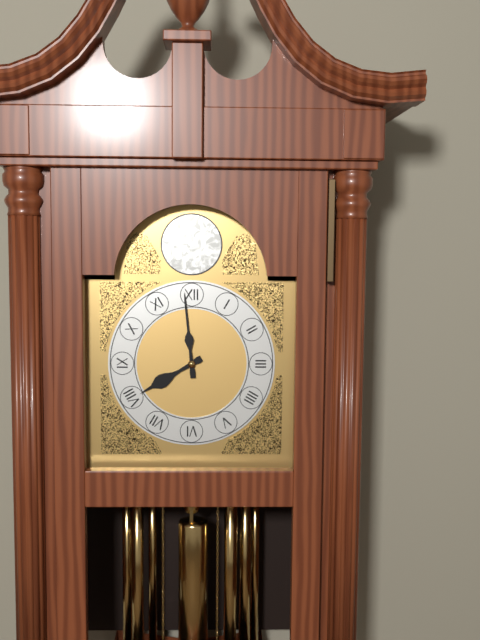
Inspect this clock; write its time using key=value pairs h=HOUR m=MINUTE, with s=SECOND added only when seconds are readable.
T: h=7 m=59
